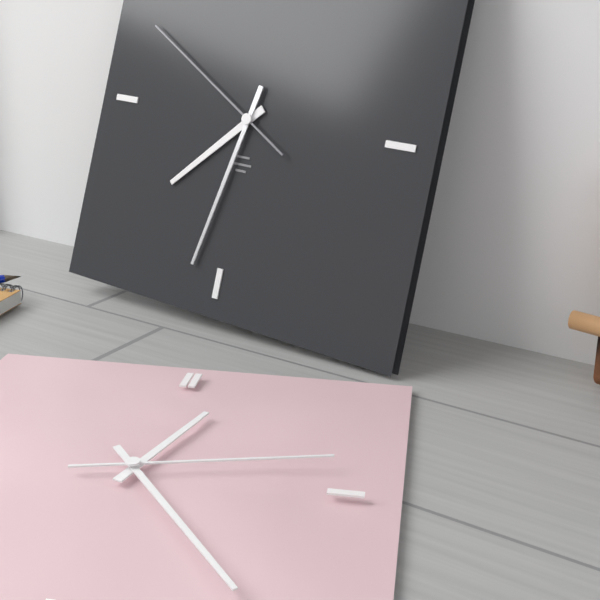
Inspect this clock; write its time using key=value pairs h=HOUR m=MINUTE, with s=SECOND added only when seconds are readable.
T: h=7 m=32 s=50
